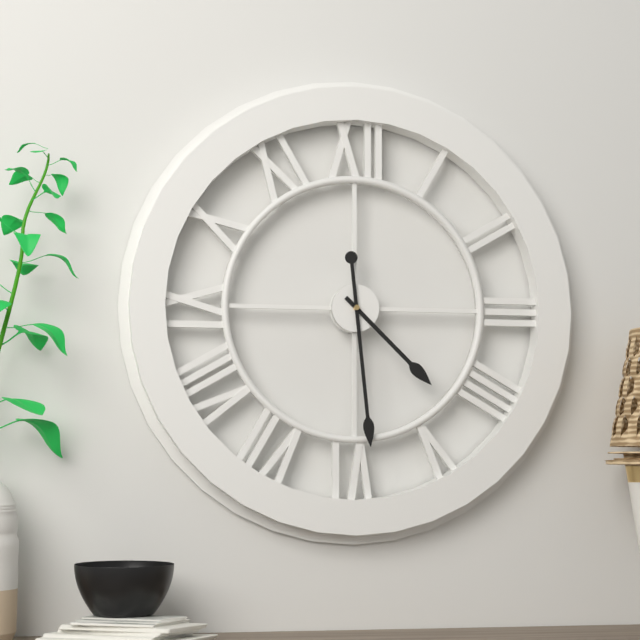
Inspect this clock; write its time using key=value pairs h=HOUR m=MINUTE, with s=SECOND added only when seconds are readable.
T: h=4 m=29
